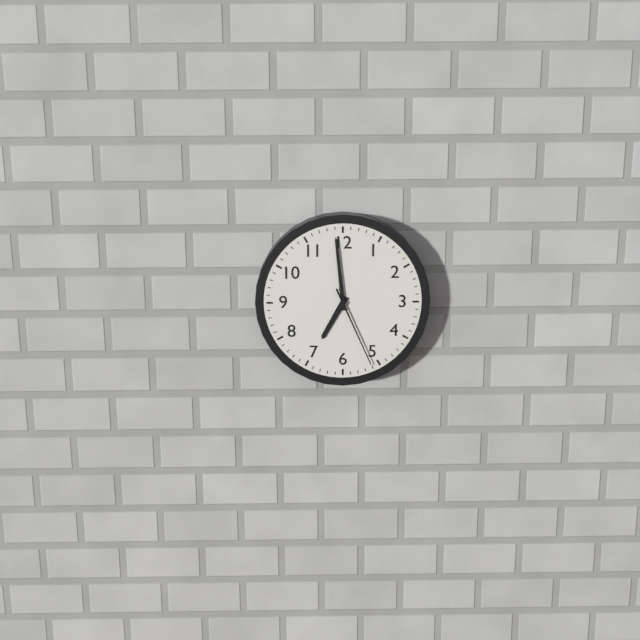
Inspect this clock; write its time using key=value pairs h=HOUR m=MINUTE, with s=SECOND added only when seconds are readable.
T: h=6 m=59 s=26
